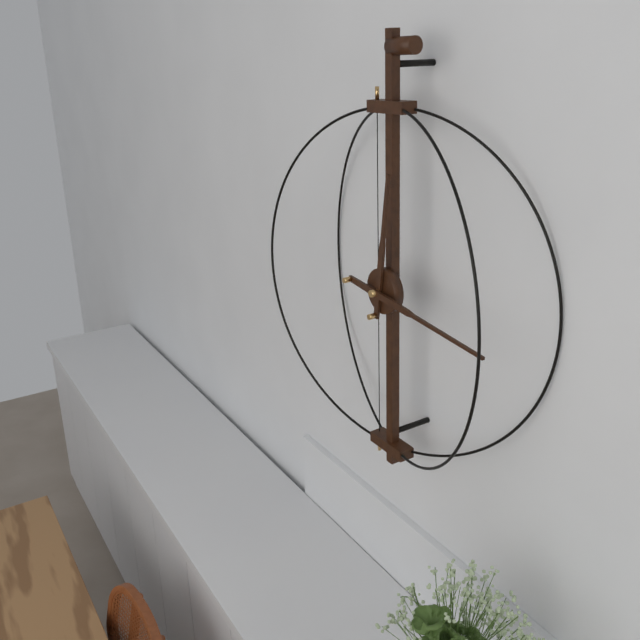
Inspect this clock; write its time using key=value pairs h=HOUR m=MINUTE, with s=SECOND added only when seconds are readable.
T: h=12 m=16
